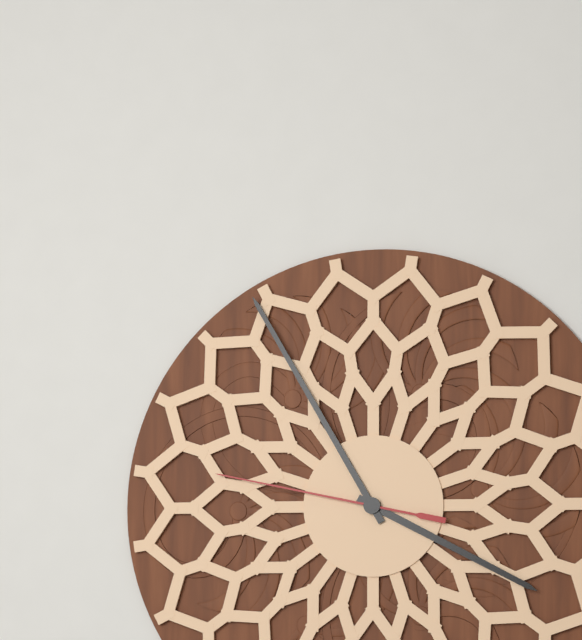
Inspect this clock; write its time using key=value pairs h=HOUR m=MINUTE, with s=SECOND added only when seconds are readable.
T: h=3 m=55 s=47
